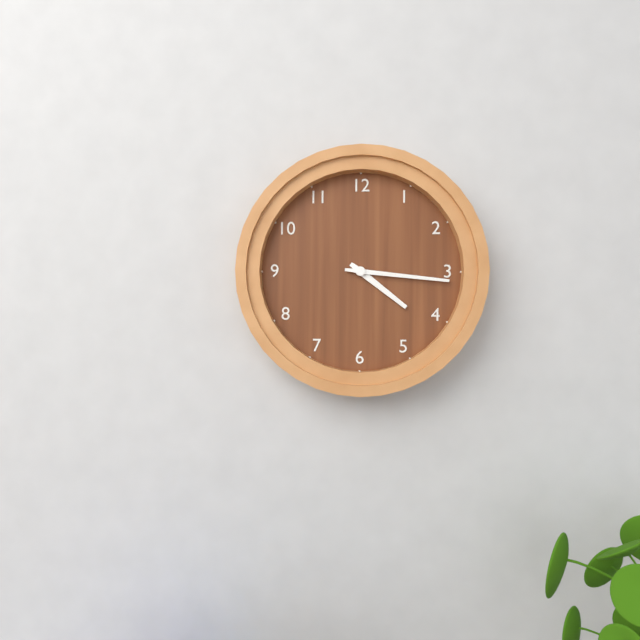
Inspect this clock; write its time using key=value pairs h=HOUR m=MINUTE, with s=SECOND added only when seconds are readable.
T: h=4 m=16
